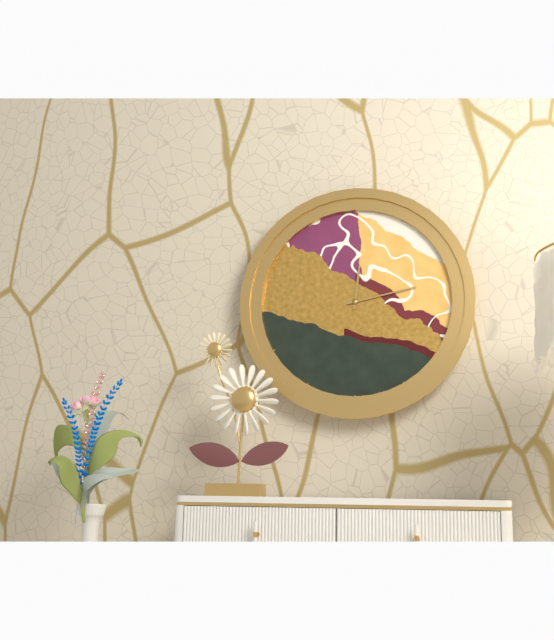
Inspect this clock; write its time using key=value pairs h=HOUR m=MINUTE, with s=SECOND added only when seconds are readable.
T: h=12 m=13
